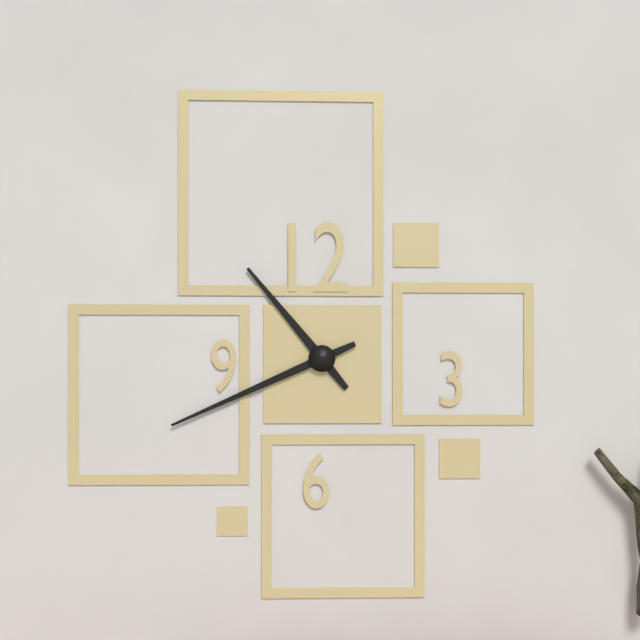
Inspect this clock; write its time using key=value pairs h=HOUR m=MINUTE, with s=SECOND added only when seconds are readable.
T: h=10 m=41
